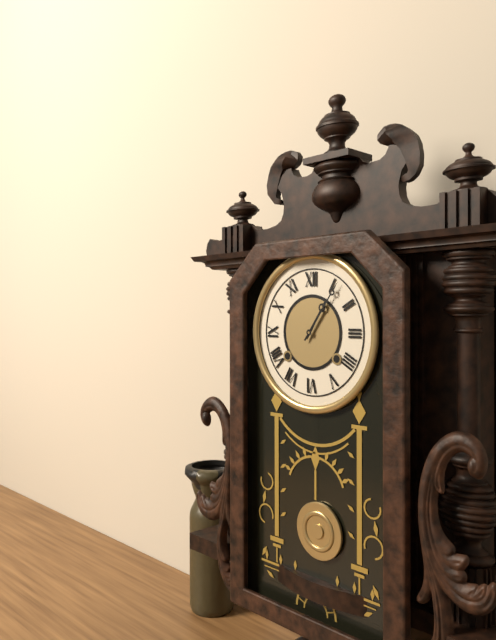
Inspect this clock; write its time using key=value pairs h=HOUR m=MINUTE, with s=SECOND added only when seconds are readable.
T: h=1 m=6
